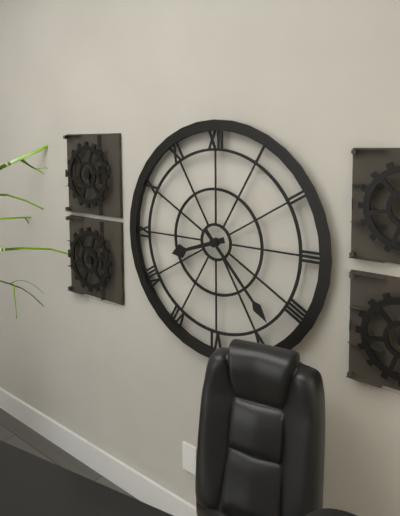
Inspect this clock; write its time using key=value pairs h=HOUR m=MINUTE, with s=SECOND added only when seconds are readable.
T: h=8 m=23
